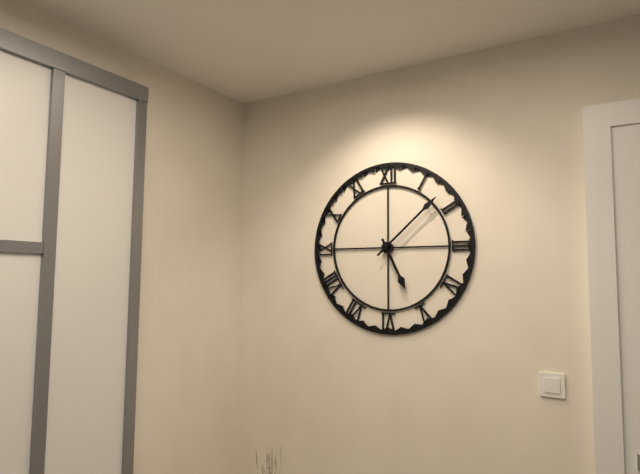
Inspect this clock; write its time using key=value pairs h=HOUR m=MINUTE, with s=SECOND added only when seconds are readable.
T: h=5 m=8
